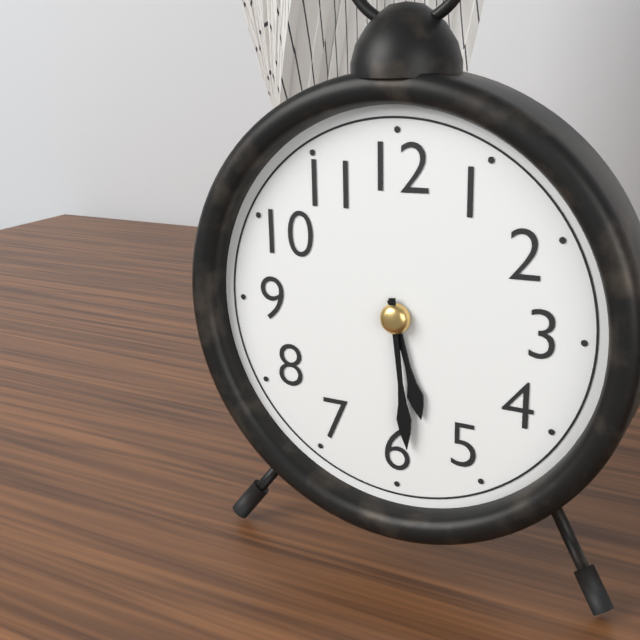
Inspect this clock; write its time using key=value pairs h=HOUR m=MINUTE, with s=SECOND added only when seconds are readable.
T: h=5 m=29
